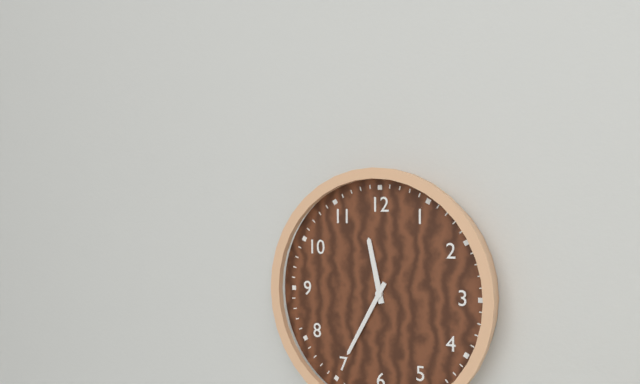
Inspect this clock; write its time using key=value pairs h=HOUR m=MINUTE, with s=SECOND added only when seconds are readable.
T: h=11 m=35
